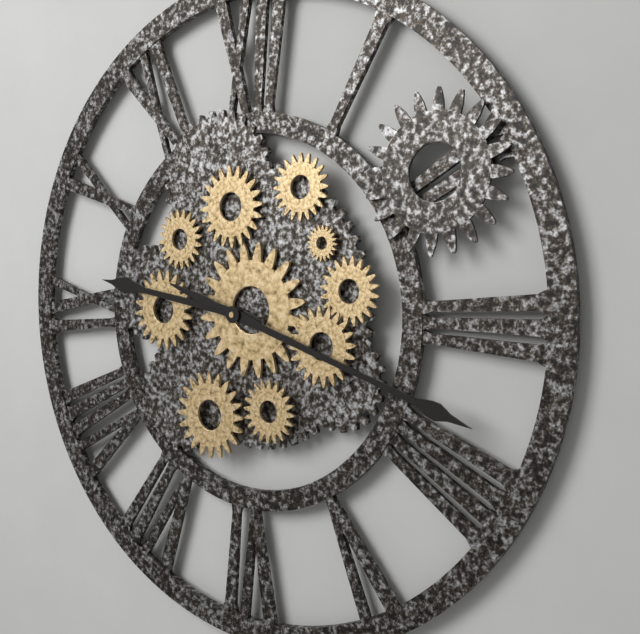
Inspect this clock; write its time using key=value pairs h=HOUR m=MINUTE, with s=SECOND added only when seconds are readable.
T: h=9 m=18
